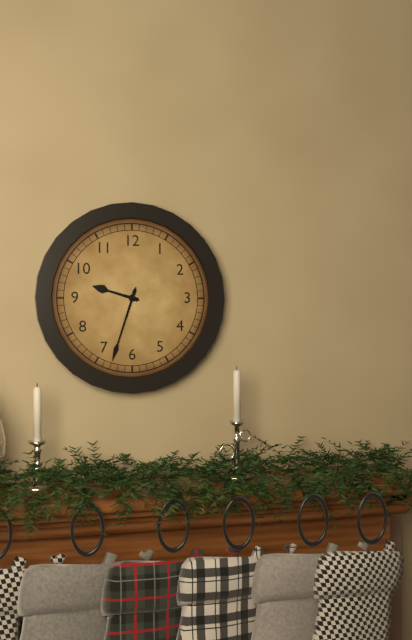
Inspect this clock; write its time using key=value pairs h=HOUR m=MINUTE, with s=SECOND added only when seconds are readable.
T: h=9 m=33
